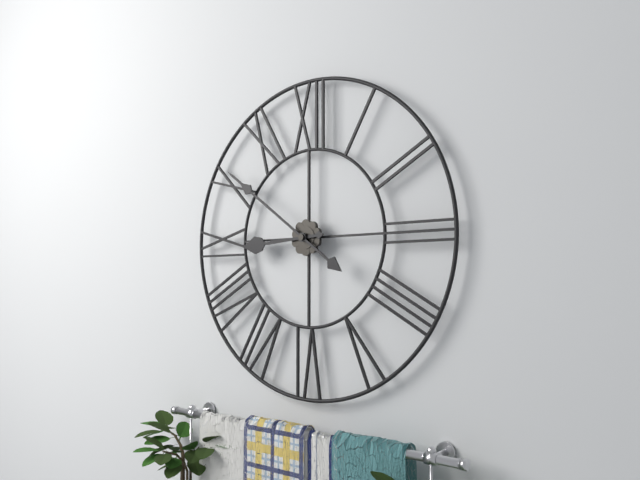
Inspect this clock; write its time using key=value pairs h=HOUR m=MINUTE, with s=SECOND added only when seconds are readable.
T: h=8 m=51
